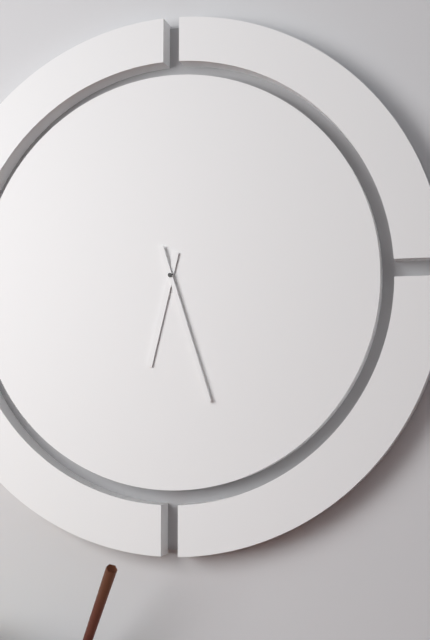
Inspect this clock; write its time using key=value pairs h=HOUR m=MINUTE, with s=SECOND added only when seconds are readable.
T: h=6 m=27
